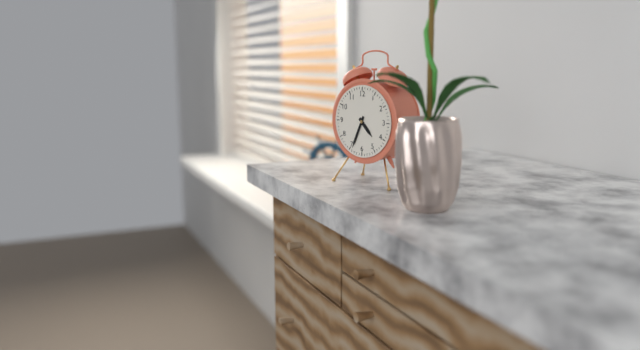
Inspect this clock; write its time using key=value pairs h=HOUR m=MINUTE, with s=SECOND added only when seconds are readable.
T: h=4 m=34
